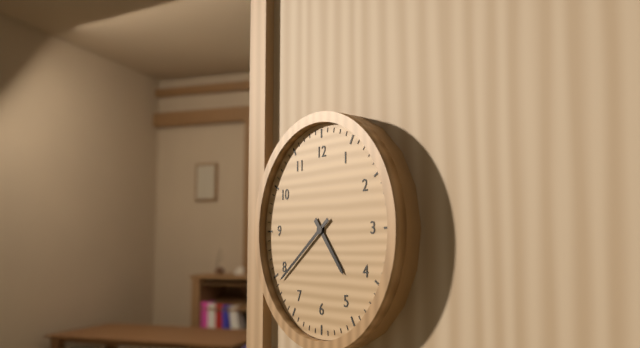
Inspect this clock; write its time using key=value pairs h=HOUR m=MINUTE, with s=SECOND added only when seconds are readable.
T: h=4 m=39
